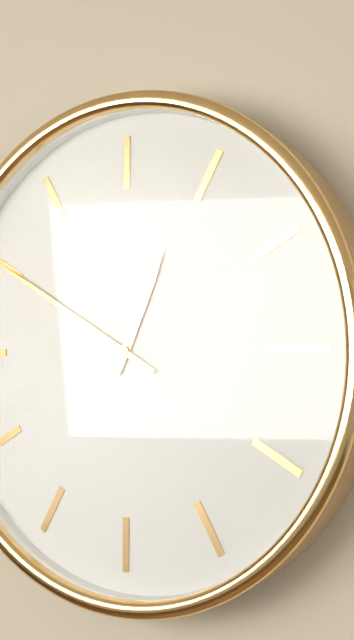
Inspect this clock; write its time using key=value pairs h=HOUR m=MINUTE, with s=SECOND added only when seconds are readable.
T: h=12 m=50
